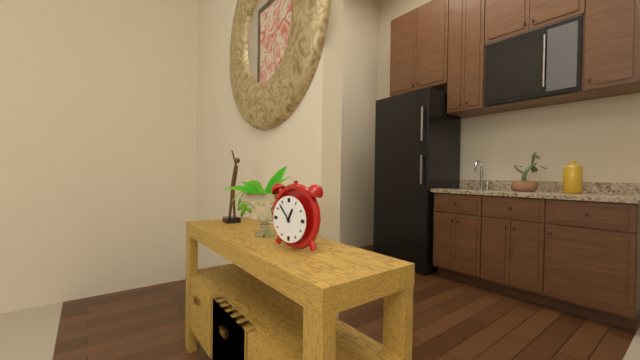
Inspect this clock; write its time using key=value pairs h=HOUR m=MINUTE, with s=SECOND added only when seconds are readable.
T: h=12 m=53
